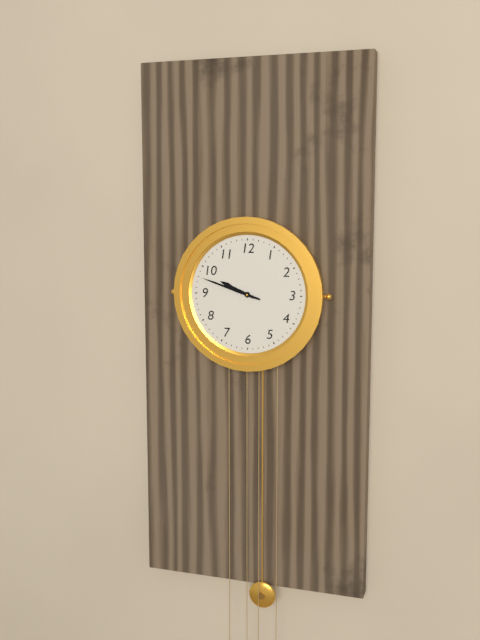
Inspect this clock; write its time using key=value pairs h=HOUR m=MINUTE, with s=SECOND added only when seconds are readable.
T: h=9 m=48
